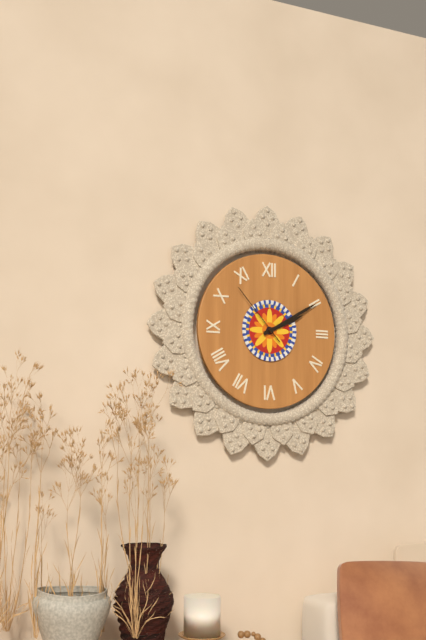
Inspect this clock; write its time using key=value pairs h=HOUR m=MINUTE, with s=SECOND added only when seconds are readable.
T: h=2 m=10 s=53
